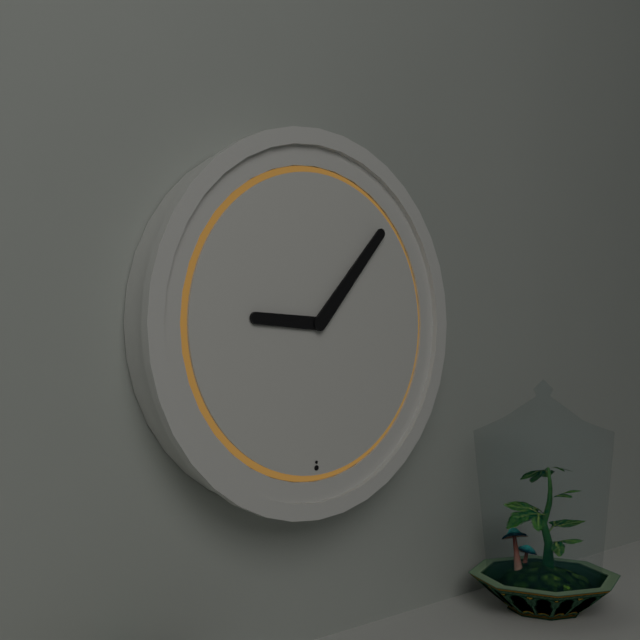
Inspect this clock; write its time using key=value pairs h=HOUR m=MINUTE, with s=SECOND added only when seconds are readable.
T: h=9 m=7
